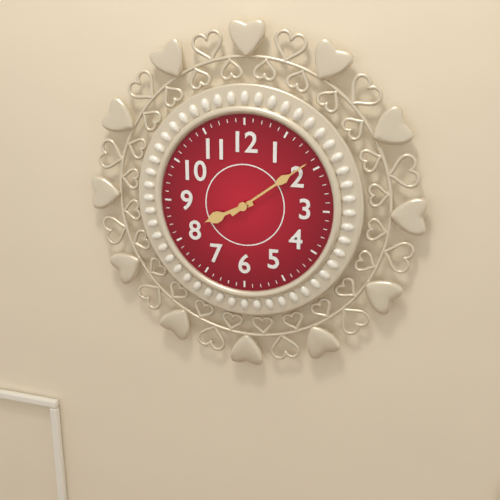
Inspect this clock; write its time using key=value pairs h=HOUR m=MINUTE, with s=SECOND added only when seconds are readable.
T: h=8 m=9
